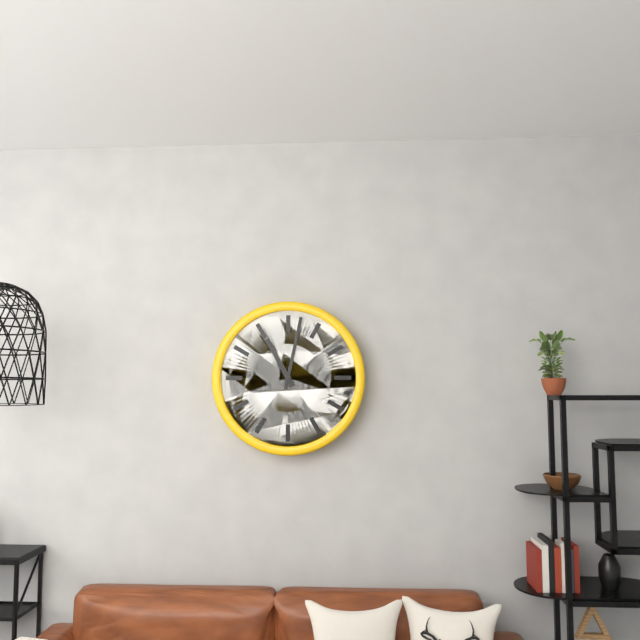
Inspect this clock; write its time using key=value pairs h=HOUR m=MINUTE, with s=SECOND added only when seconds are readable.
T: h=11 m=2
